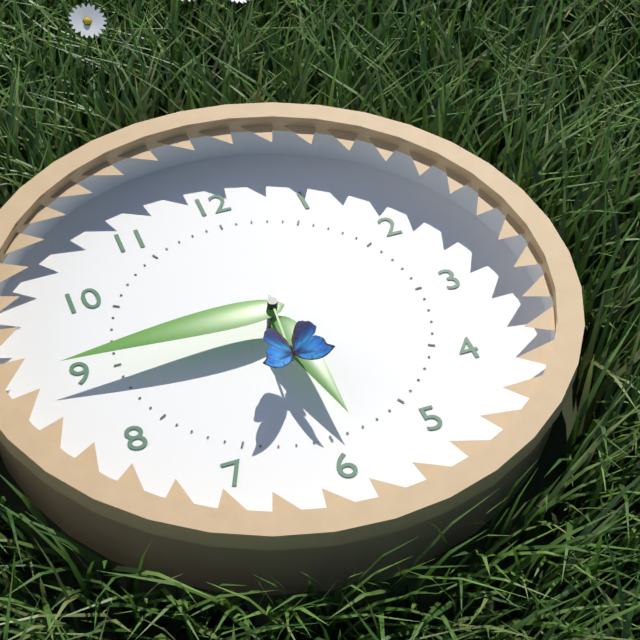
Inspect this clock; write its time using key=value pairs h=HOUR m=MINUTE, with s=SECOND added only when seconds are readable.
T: h=5 m=45 s=31
